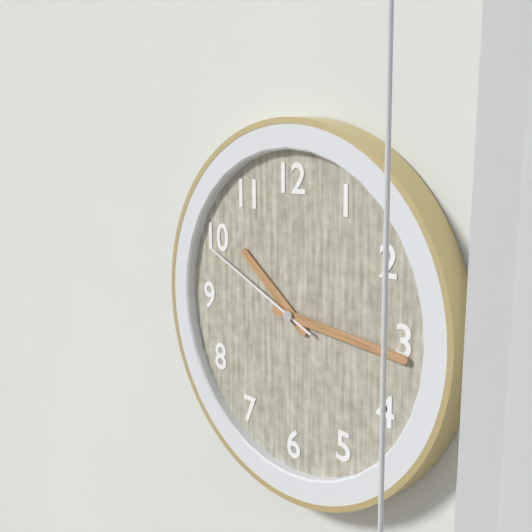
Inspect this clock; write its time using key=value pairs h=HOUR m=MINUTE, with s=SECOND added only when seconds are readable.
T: h=10 m=16 s=49
